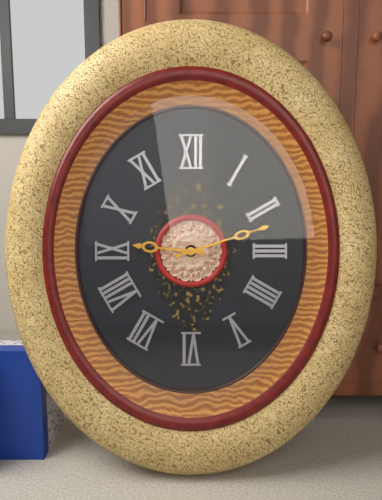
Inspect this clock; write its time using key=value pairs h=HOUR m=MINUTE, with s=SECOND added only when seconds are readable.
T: h=9 m=12
